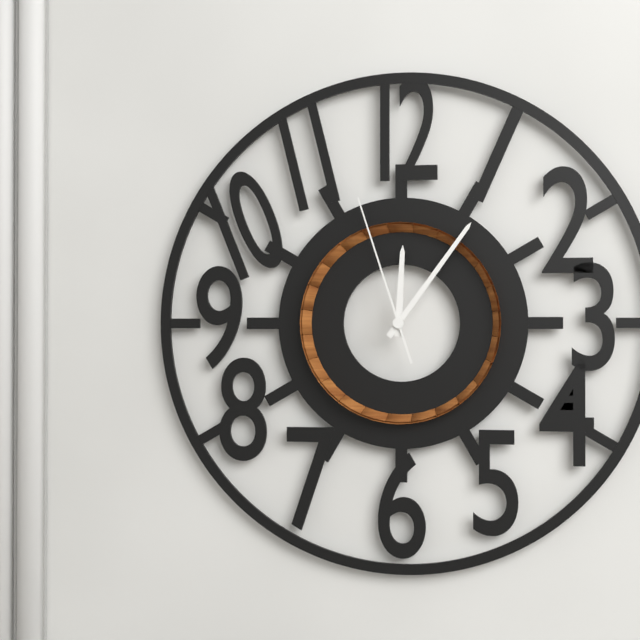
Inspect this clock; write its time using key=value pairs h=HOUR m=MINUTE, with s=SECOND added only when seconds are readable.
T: h=12 m=6 s=57
